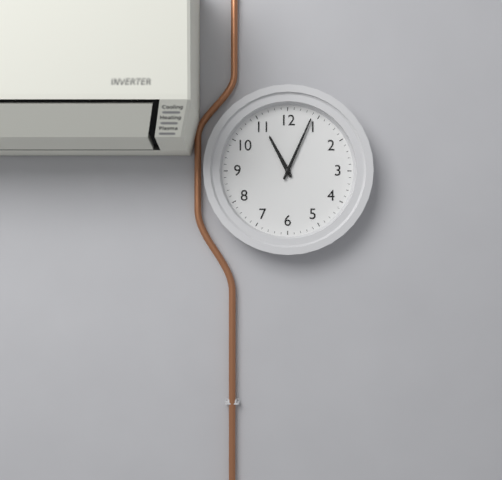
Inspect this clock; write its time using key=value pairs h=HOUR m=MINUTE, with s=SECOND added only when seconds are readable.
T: h=11 m=4
